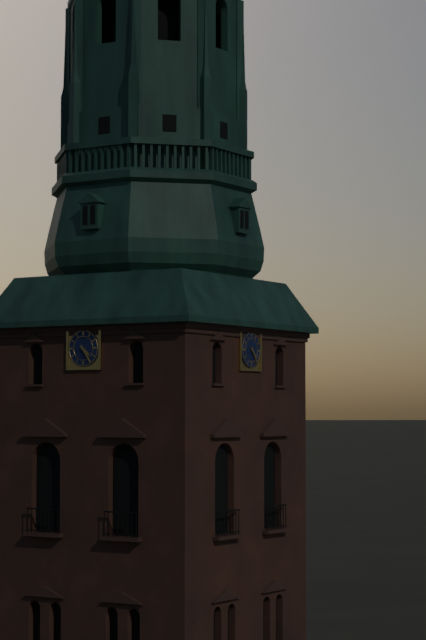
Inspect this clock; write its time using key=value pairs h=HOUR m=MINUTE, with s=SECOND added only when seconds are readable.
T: h=4 m=24
